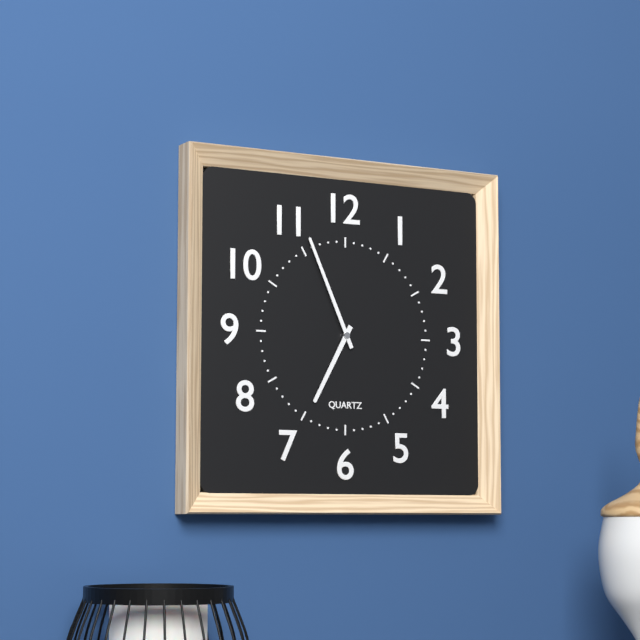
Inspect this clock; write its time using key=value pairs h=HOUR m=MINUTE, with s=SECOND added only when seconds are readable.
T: h=6 m=56
